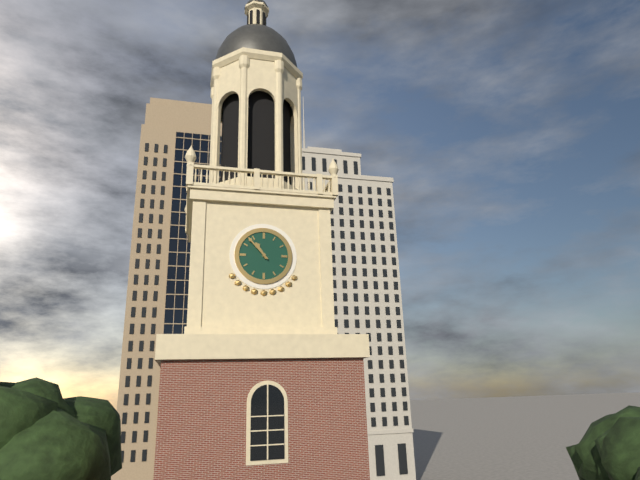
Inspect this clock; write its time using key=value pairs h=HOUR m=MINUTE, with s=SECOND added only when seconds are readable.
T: h=10 m=53
